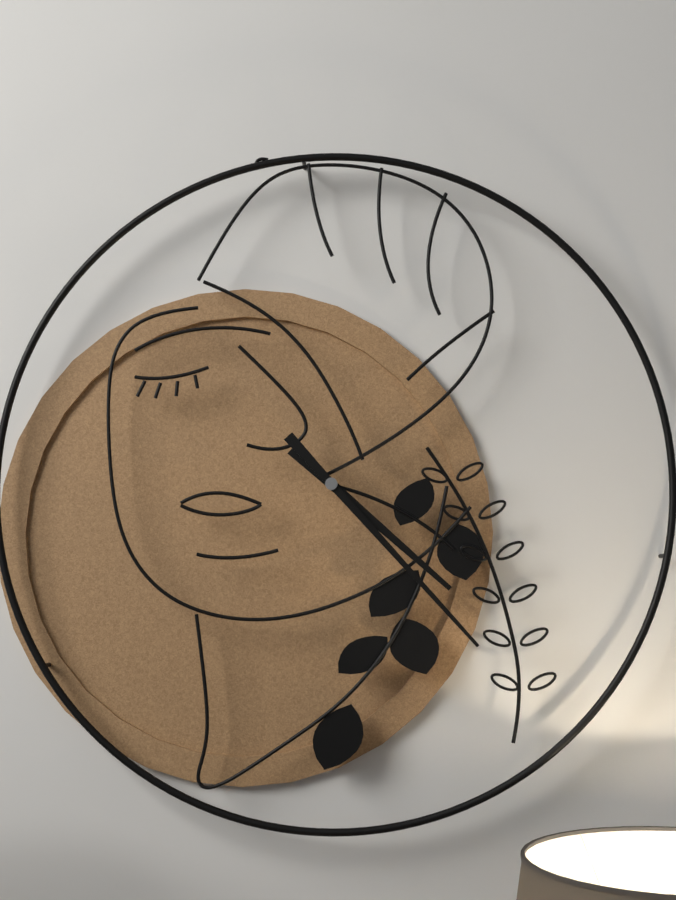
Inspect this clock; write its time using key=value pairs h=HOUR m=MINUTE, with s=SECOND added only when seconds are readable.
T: h=4 m=23
